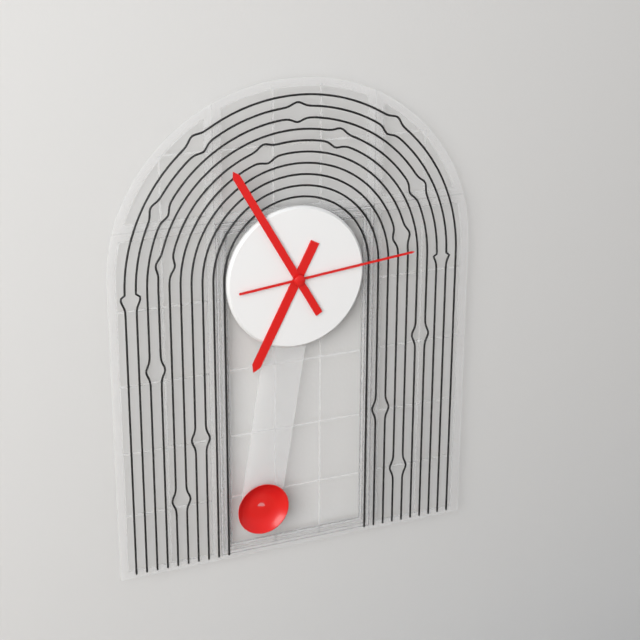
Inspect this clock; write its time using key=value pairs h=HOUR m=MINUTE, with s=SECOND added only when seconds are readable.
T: h=6 m=55 s=14
